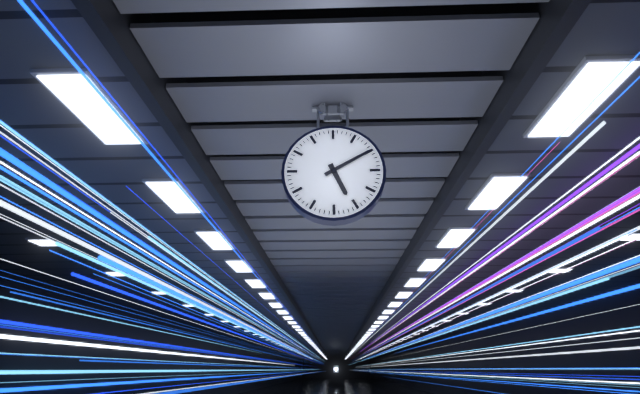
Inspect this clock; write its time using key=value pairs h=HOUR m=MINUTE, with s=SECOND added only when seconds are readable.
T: h=5 m=10
